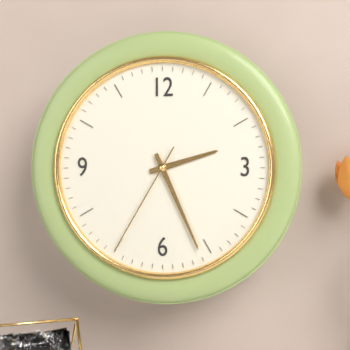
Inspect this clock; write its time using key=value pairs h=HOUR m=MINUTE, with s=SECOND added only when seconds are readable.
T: h=2 m=26 s=35
